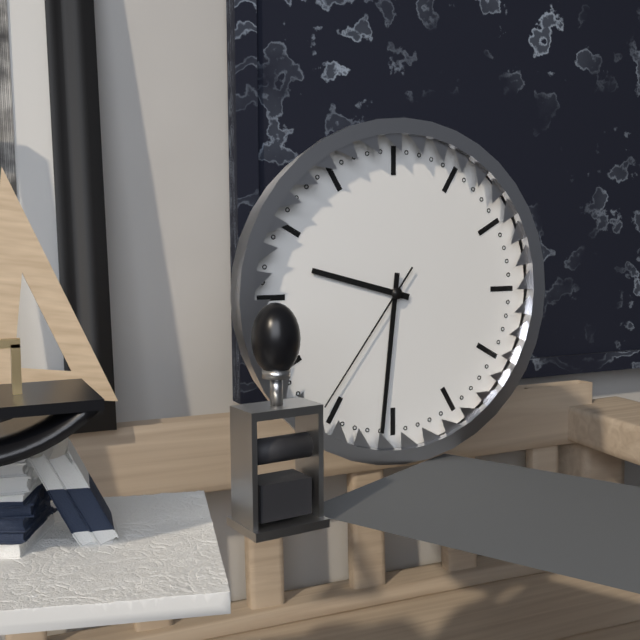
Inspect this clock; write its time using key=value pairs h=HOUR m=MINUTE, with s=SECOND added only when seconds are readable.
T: h=9 m=31 s=36
